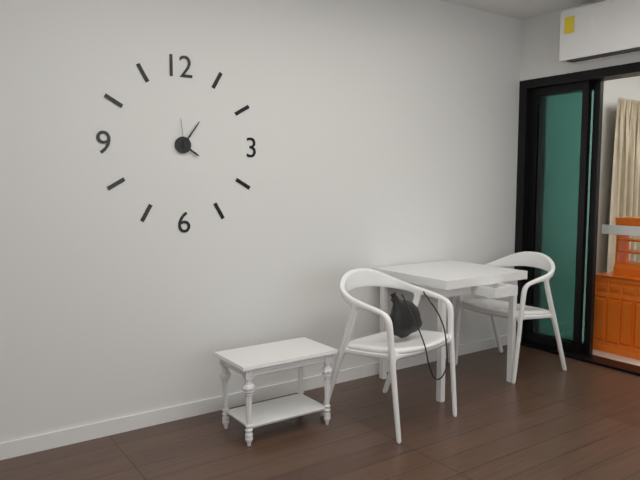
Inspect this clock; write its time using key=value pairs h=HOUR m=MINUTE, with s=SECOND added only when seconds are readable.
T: h=4 m=6
